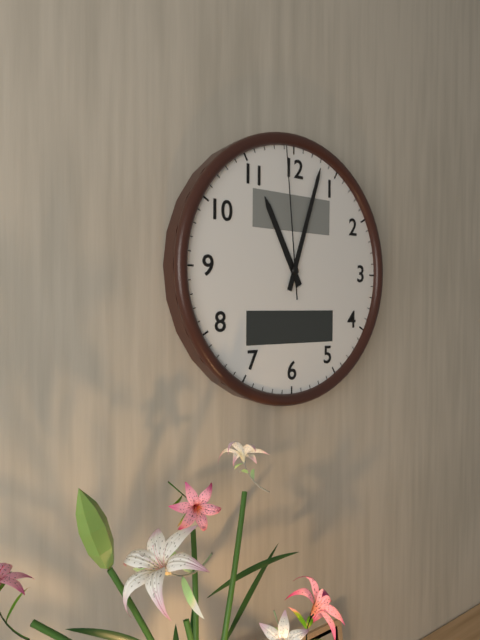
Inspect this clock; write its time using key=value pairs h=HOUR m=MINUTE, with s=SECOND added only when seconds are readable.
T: h=11 m=3 s=59
